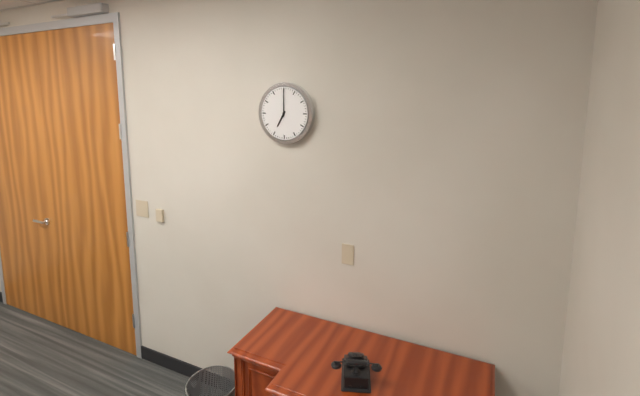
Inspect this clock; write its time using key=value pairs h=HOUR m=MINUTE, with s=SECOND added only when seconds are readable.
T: h=7 m=0
